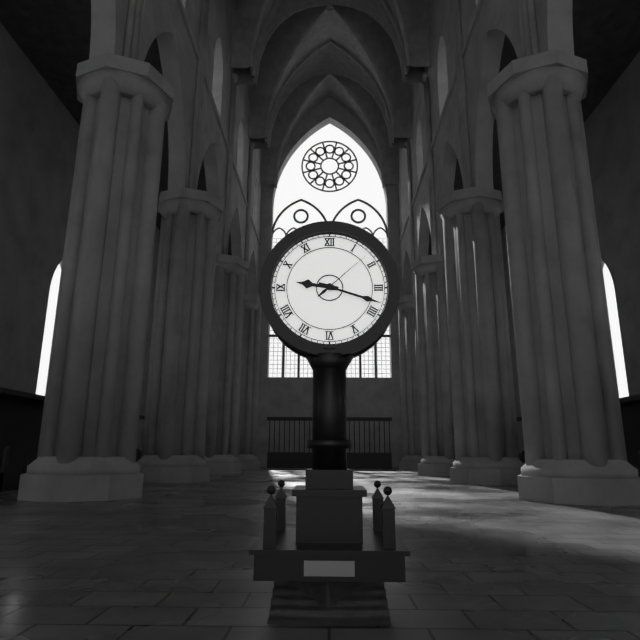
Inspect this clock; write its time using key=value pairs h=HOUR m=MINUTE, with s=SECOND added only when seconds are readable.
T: h=9 m=18 s=8
